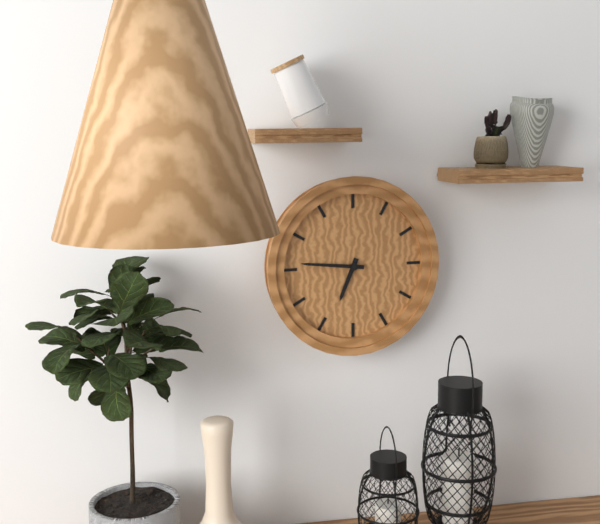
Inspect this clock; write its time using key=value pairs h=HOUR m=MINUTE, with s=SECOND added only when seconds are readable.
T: h=6 m=46
